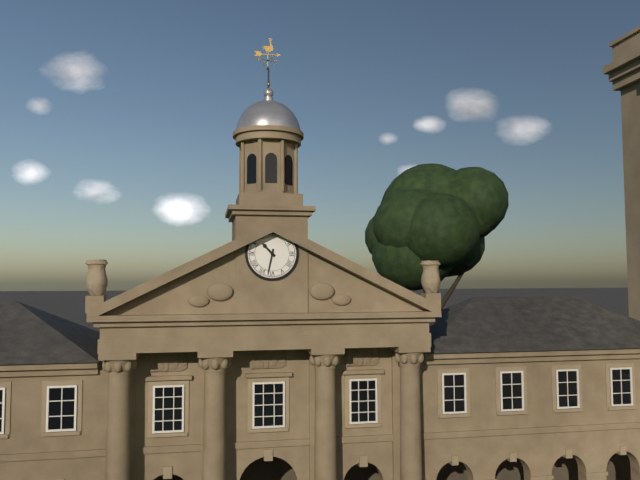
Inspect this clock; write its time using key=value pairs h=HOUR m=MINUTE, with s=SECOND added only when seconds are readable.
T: h=10 m=32
